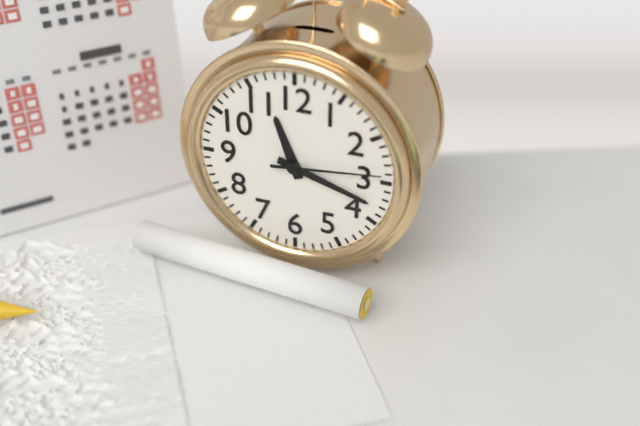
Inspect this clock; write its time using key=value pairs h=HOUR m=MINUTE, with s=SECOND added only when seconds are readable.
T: h=11 m=18 s=14
